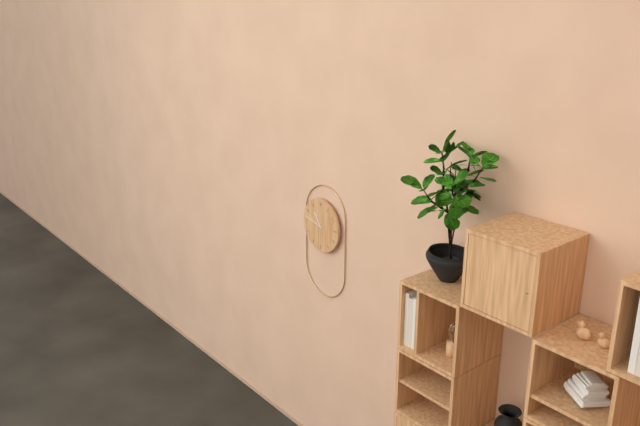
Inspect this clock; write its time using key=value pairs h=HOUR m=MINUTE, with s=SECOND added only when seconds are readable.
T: h=10 m=47
